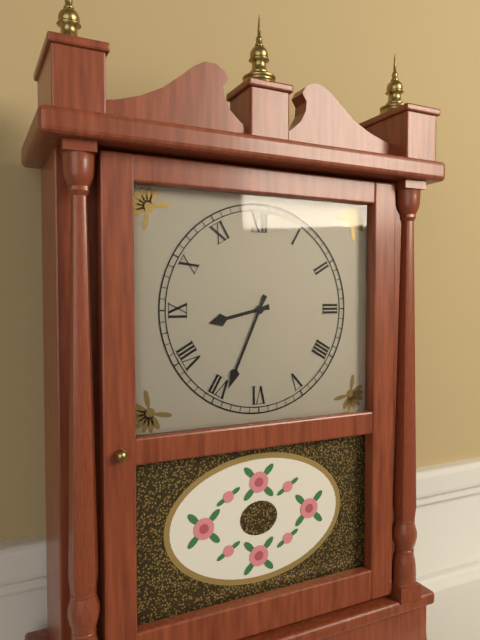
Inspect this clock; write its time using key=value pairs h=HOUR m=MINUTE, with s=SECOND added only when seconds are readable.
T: h=8 m=34
